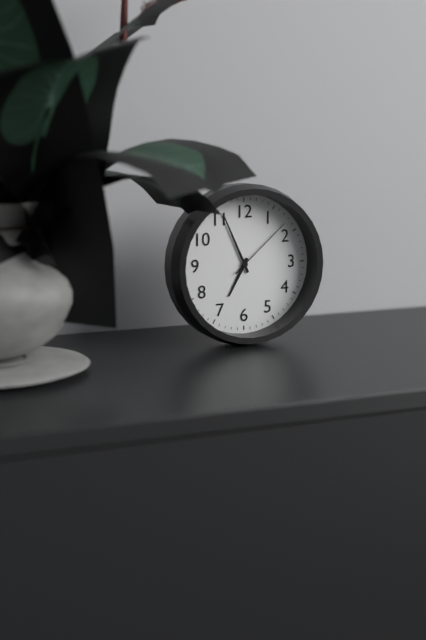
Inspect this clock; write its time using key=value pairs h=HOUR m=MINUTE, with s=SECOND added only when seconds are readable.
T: h=6 m=56 s=8
